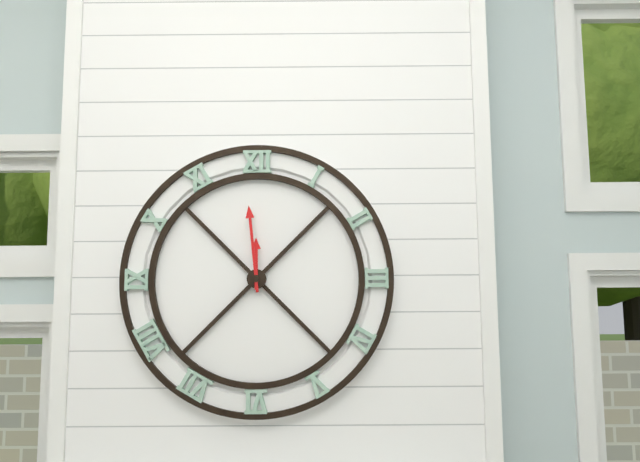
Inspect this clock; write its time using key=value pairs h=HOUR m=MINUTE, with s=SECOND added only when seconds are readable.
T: h=11 m=59
